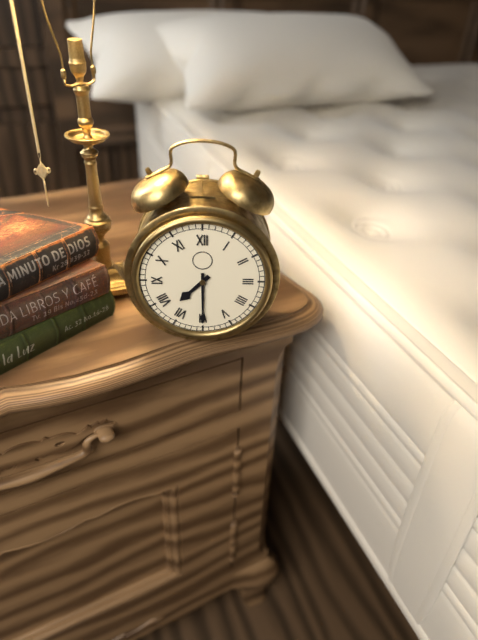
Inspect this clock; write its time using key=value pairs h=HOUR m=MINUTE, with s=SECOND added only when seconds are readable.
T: h=7 m=30
